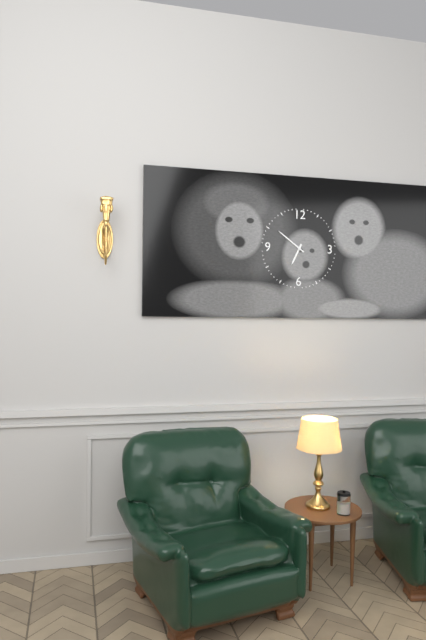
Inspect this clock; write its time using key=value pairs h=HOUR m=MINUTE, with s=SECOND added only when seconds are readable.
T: h=6 m=51
